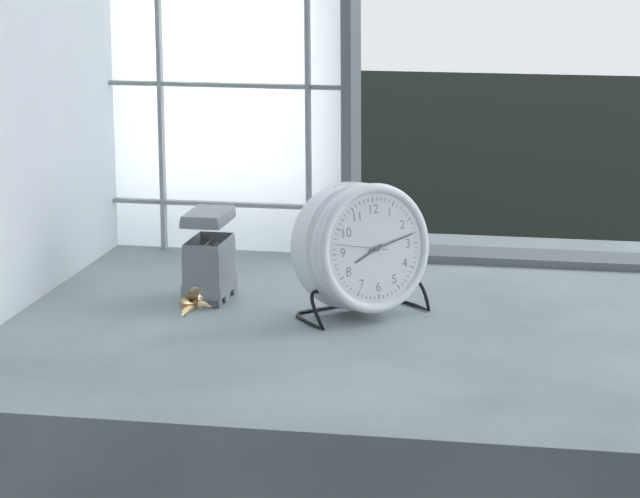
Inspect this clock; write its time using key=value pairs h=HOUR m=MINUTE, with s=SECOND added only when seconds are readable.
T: h=8 m=13 s=47
